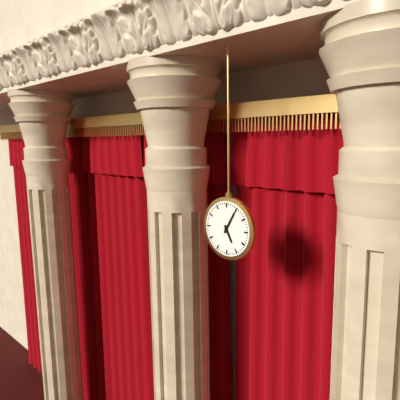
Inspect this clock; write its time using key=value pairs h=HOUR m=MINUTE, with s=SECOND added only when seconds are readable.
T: h=5 m=5
